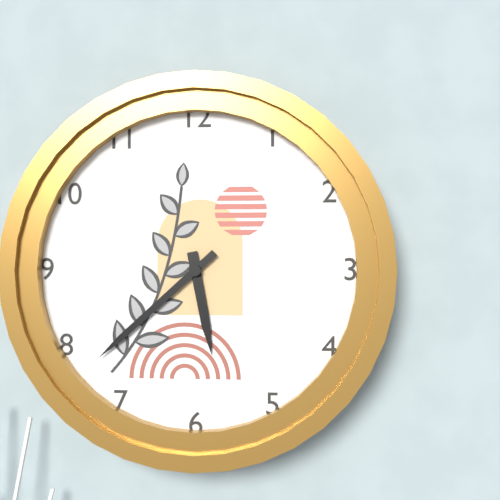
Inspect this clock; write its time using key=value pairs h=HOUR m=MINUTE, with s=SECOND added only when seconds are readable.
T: h=5 m=38
